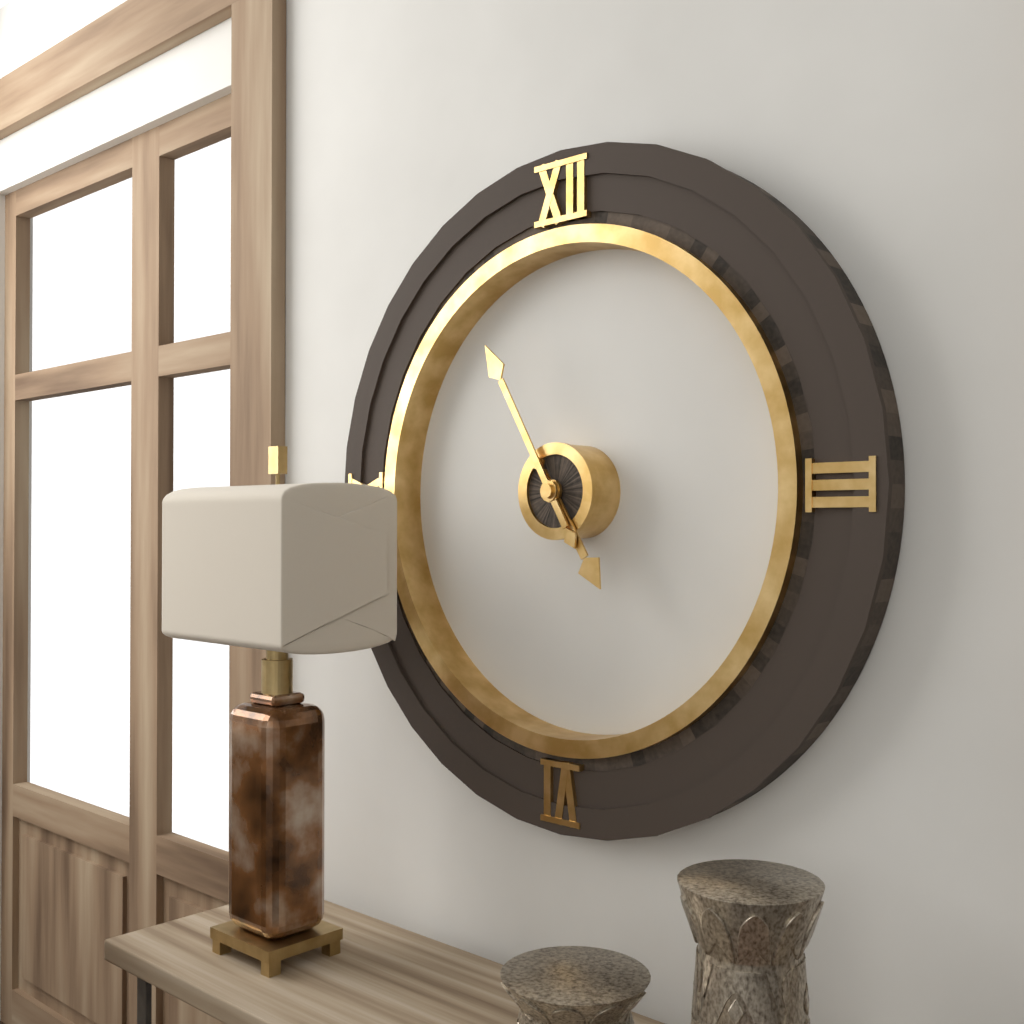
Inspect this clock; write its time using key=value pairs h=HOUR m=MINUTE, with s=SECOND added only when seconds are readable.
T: h=4 m=55
